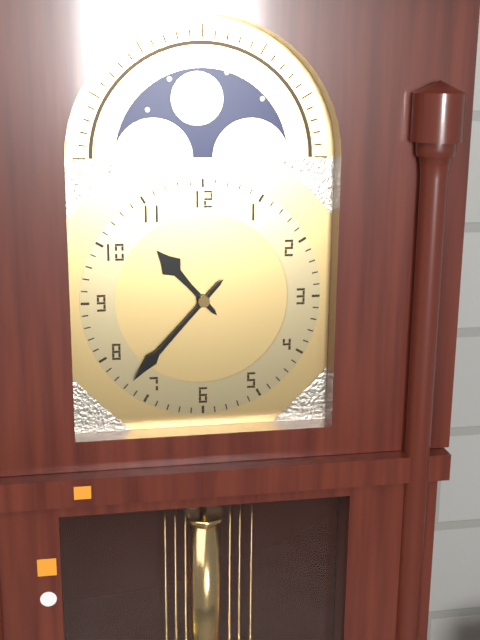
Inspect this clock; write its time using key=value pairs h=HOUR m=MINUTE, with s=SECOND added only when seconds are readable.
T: h=10 m=37
